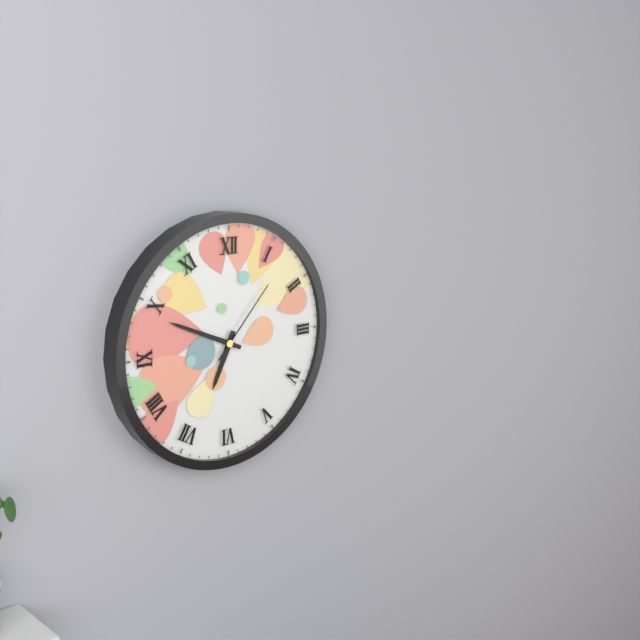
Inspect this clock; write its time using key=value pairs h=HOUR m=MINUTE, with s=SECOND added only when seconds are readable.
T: h=6 m=49 s=7
